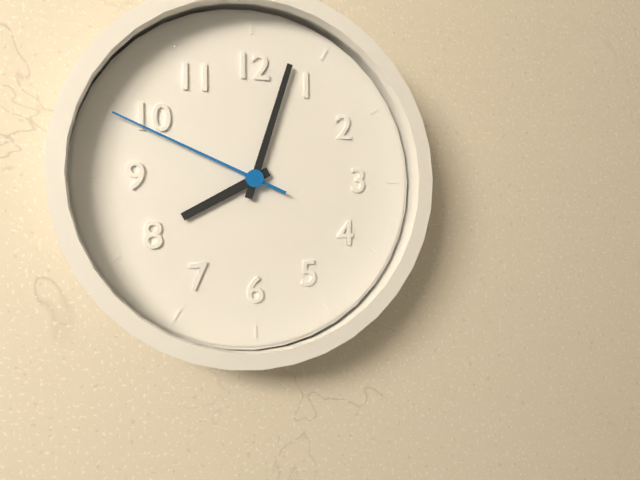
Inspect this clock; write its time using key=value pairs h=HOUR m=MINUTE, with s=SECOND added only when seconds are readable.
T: h=8 m=3 s=49
